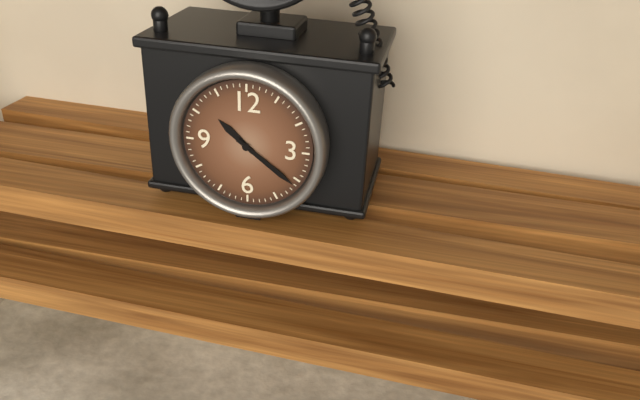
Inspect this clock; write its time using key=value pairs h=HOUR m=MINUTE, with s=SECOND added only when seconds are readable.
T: h=10 m=21
